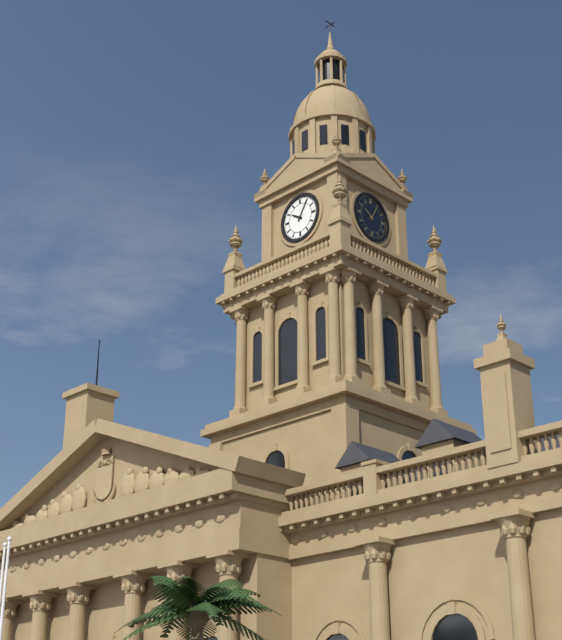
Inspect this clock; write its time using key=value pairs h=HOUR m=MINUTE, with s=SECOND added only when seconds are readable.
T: h=10 m=5
